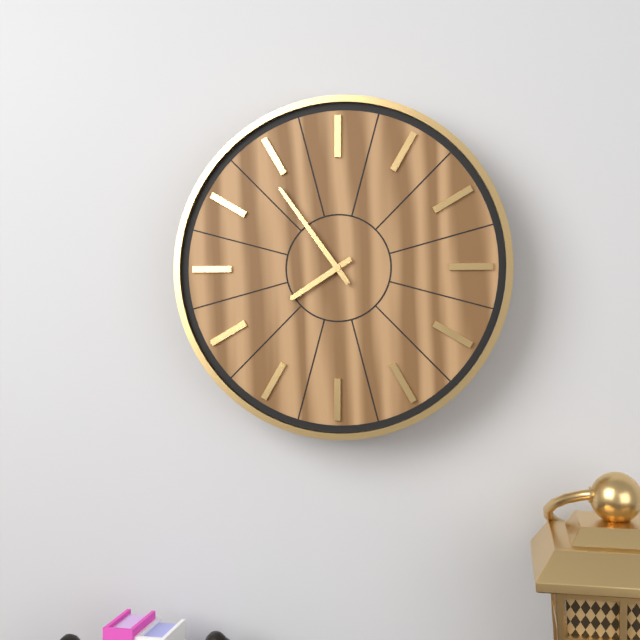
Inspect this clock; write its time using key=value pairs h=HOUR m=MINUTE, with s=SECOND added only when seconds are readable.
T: h=7 m=54
